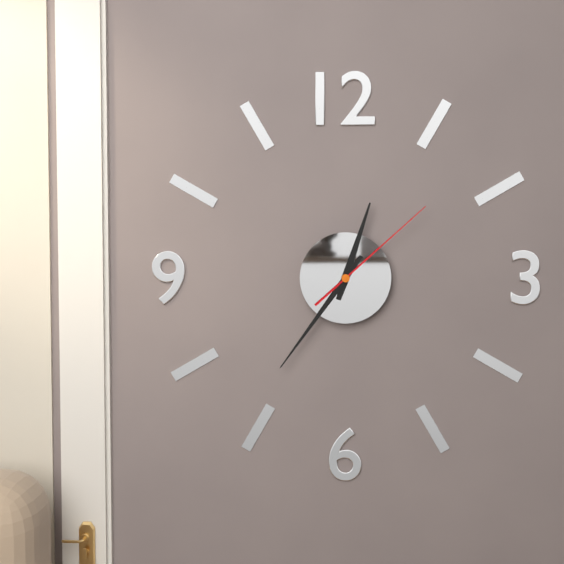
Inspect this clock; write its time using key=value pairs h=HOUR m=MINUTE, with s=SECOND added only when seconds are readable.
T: h=12 m=36 s=8
